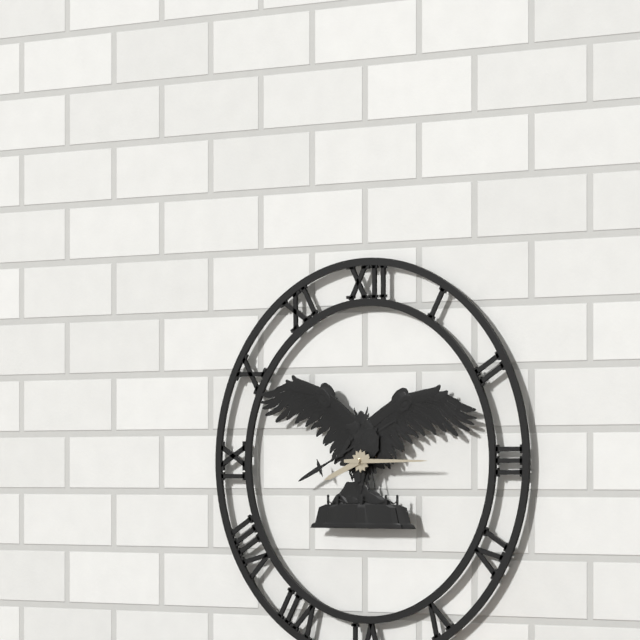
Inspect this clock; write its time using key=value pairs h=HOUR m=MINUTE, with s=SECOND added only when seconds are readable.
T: h=8 m=15
